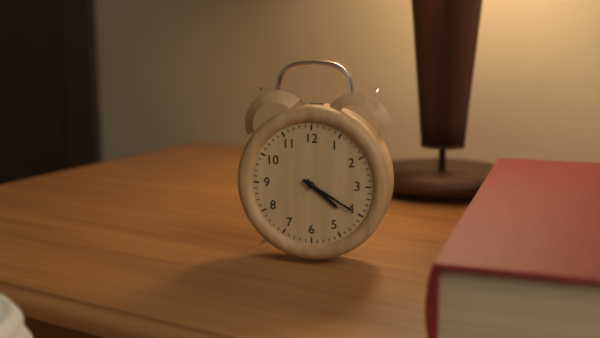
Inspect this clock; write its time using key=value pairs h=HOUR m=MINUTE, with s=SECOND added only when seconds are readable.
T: h=4 m=20
